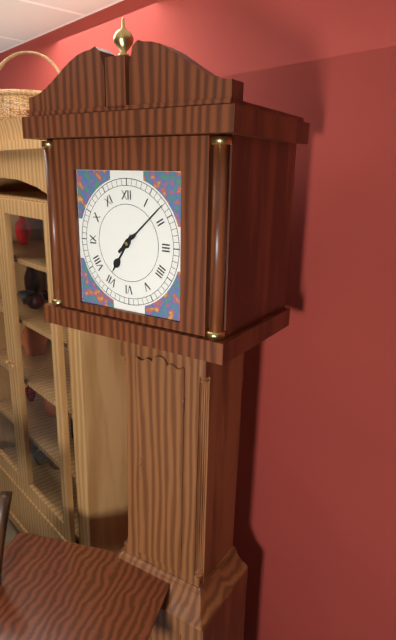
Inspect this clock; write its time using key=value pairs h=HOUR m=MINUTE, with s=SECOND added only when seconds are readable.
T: h=7 m=8
